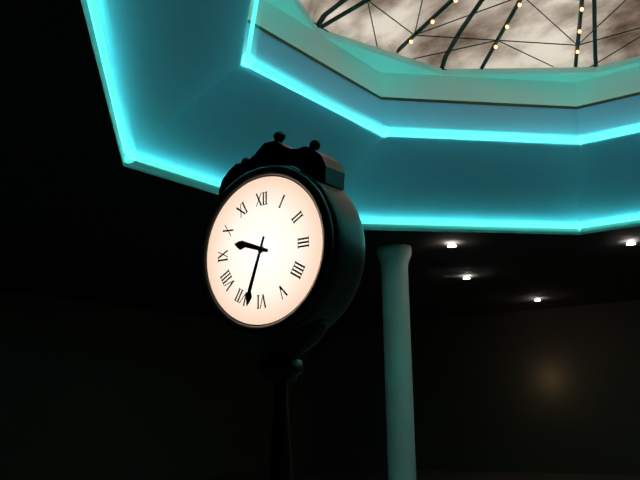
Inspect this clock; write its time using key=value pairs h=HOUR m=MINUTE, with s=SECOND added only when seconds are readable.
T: h=9 m=33
